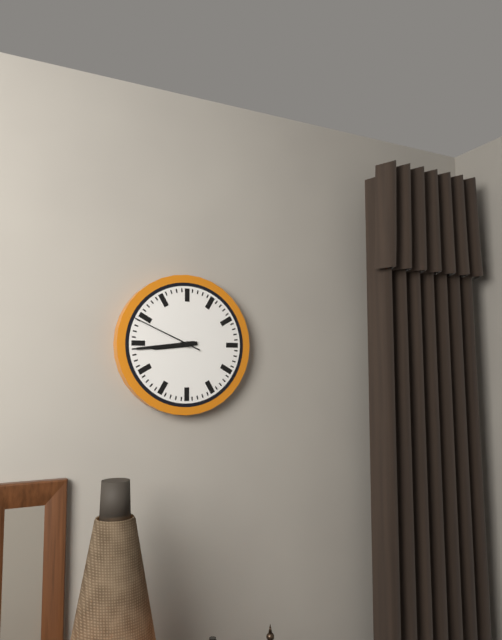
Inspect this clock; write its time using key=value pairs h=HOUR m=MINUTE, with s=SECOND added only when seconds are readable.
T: h=8 m=44 s=49
